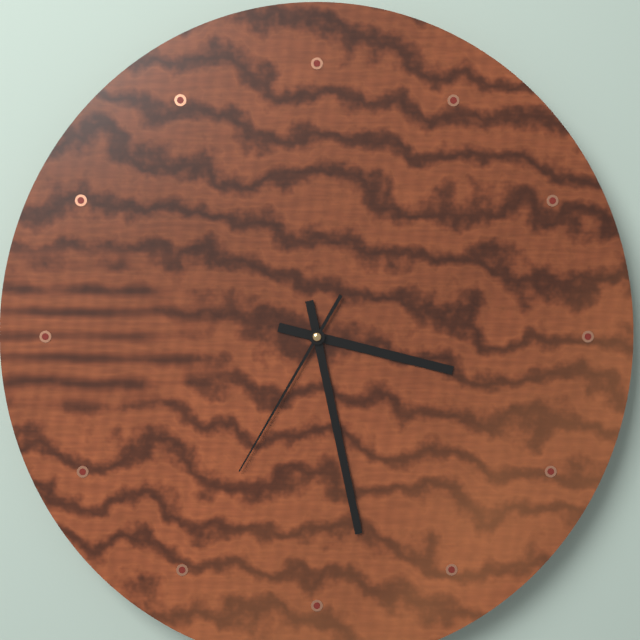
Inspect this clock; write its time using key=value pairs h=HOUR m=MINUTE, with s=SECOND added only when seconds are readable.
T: h=3 m=28 s=35
